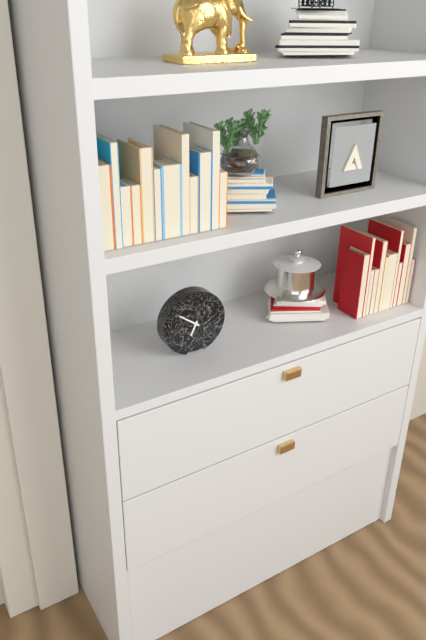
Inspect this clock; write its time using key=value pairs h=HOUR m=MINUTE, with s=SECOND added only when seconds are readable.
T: h=6 m=51
